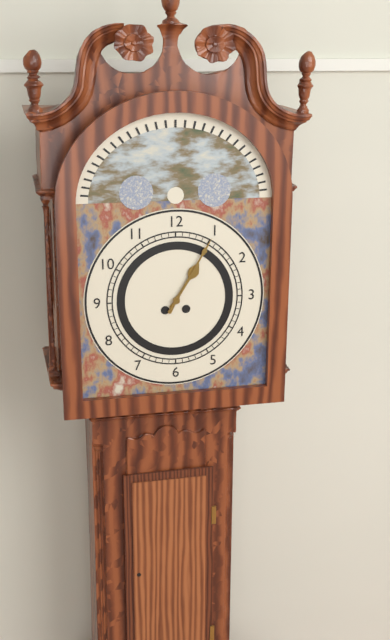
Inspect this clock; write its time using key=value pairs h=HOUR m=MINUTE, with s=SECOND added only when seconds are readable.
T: h=1 m=5
